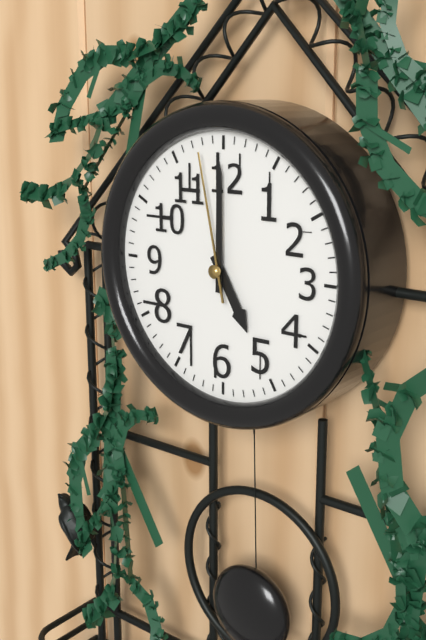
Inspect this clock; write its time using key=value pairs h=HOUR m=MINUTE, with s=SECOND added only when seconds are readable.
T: h=5 m=0 s=58
